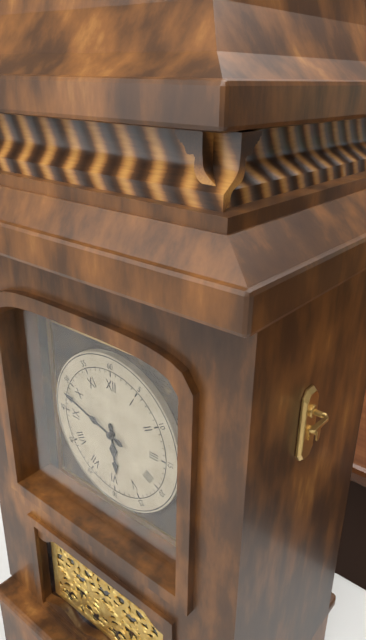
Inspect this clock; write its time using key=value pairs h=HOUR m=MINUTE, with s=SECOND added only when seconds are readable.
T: h=5 m=48
